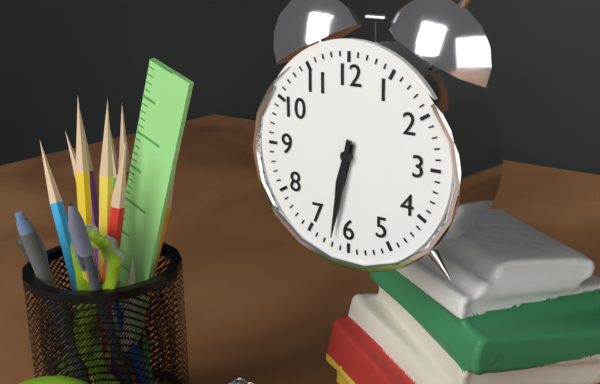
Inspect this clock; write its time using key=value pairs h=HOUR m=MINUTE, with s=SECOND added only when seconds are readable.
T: h=6 m=32
